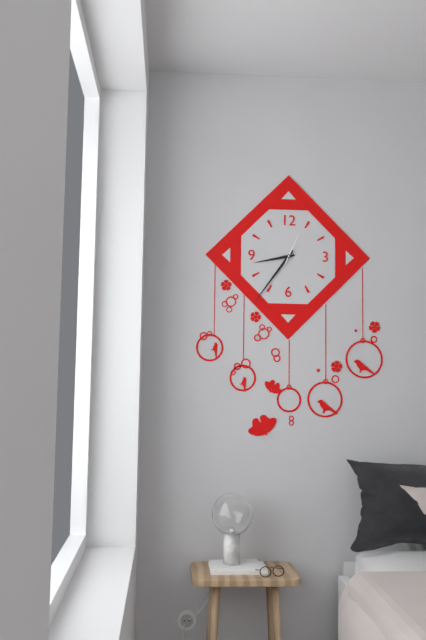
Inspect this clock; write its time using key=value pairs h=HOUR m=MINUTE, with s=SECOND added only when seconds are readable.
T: h=8 m=36
